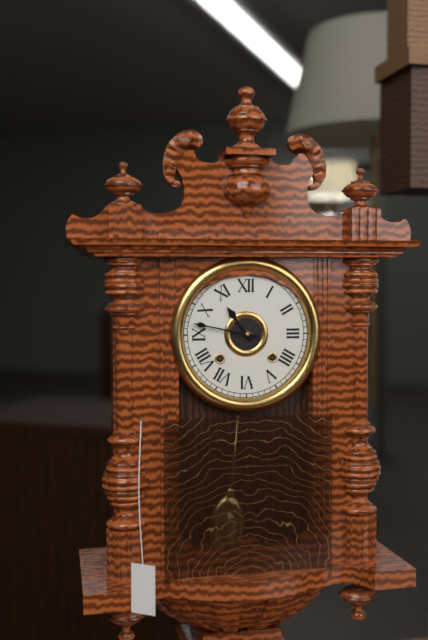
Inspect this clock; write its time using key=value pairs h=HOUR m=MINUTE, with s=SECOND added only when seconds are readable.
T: h=10 m=47
